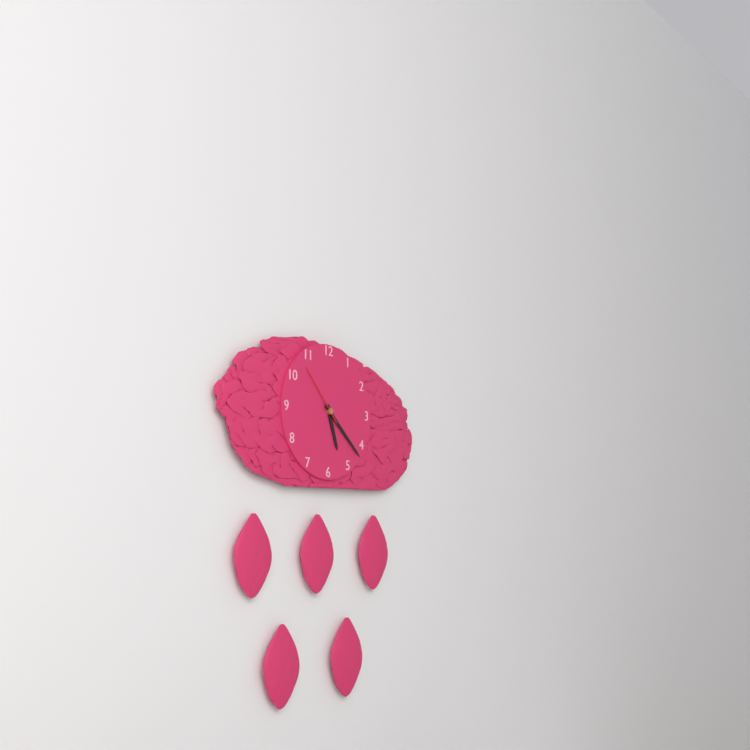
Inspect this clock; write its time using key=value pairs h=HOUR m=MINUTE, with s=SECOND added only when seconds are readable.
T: h=5 m=22 s=53
